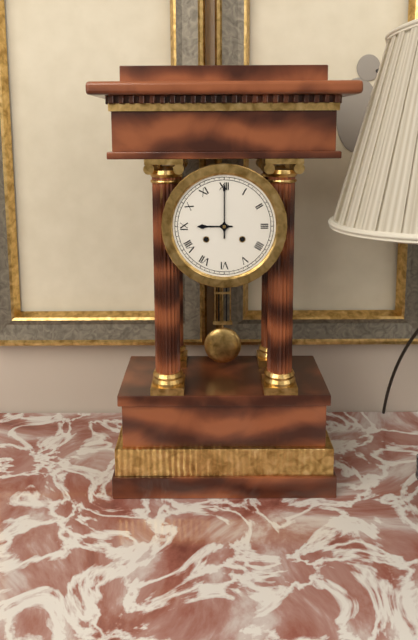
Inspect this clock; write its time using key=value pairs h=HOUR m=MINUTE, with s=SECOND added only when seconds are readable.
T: h=9 m=0
